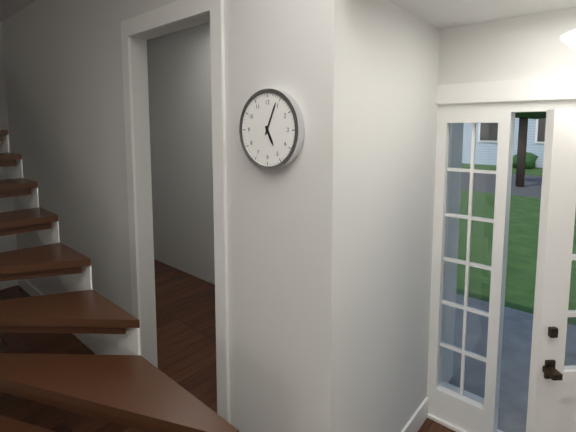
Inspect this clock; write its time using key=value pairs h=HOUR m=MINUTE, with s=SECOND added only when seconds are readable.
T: h=5 m=4
